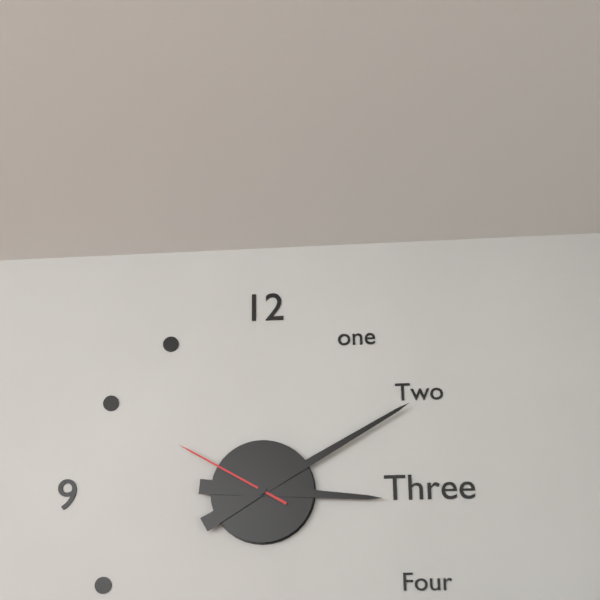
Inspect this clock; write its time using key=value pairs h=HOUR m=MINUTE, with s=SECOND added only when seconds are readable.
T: h=3 m=10 s=50
